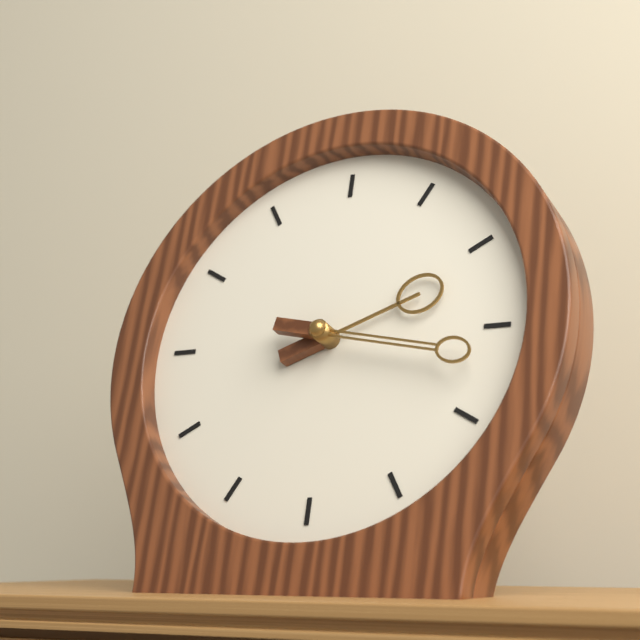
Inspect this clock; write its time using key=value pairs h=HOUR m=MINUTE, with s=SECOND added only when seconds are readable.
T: h=2 m=17
